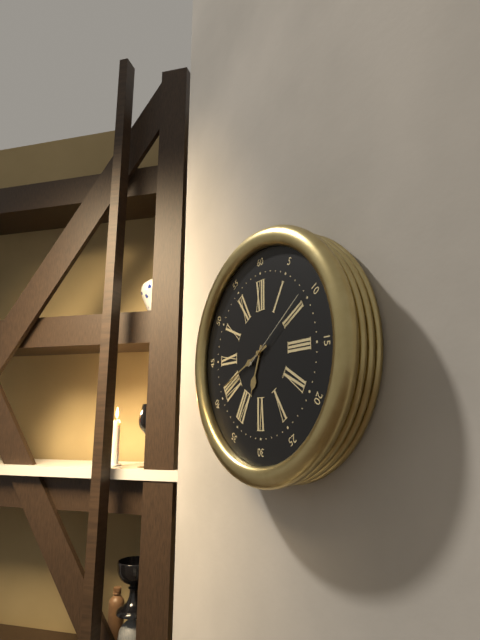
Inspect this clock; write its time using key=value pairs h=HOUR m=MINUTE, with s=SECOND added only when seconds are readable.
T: h=6 m=41 s=9
